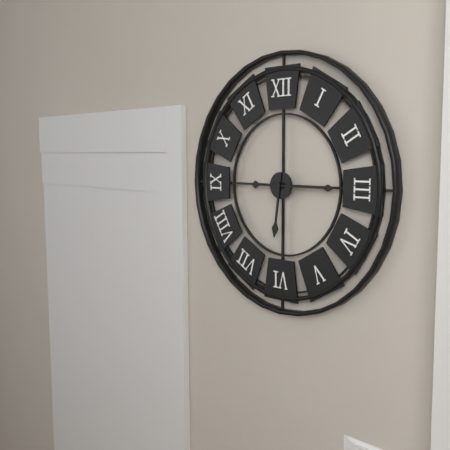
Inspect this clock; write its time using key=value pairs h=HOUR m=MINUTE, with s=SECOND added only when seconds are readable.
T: h=6 m=15
